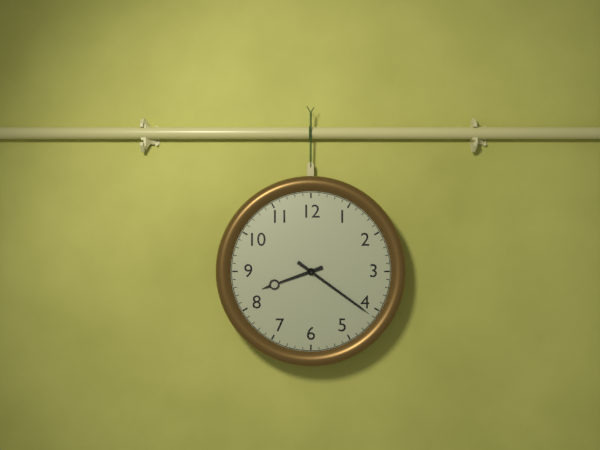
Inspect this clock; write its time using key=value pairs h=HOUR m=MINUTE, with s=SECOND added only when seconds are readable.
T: h=8 m=21
